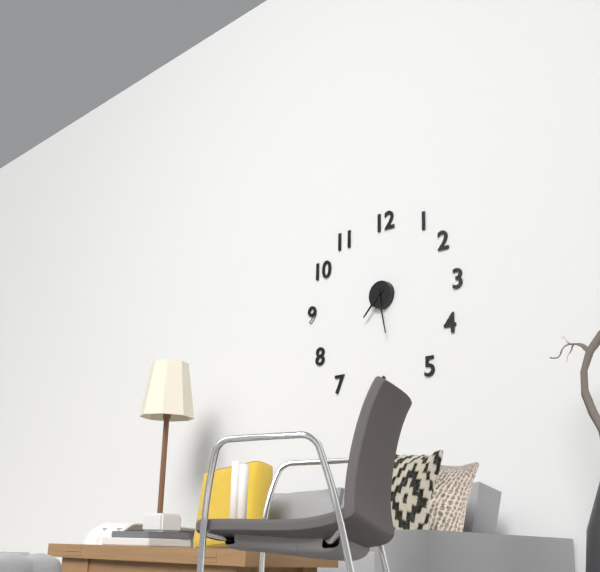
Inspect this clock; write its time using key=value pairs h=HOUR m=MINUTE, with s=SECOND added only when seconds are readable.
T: h=7 m=28
